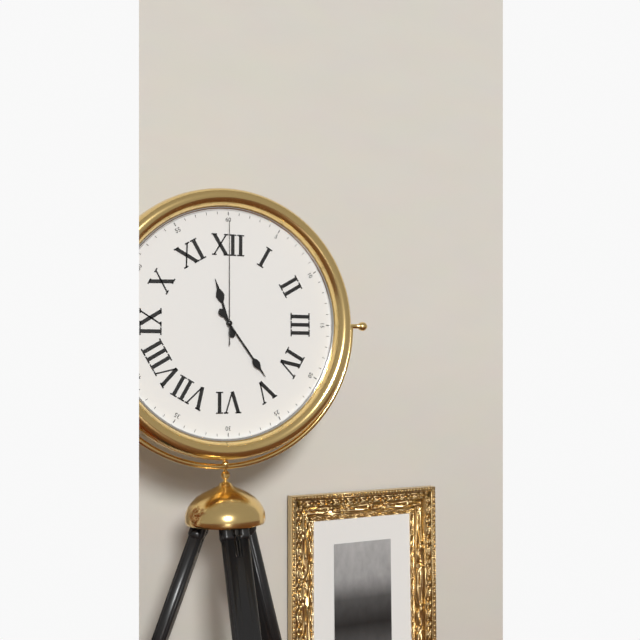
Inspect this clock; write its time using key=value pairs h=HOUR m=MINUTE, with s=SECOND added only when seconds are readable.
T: h=11 m=24 s=0
